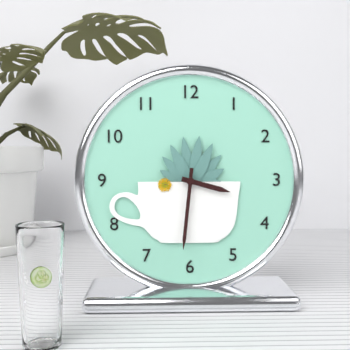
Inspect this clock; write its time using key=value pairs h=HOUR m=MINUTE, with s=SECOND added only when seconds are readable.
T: h=3 m=31
